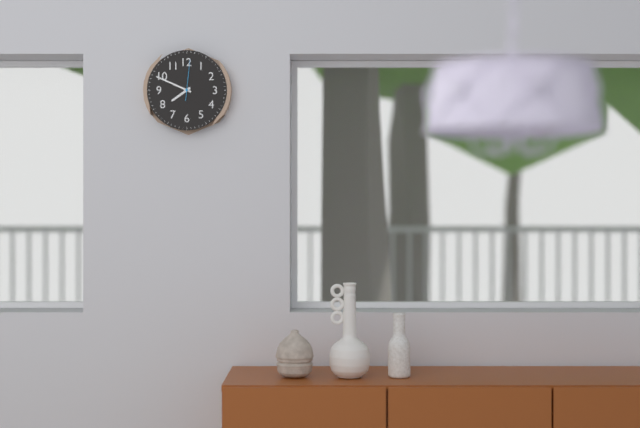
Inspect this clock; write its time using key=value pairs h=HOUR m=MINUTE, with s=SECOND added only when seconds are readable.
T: h=7 m=49
